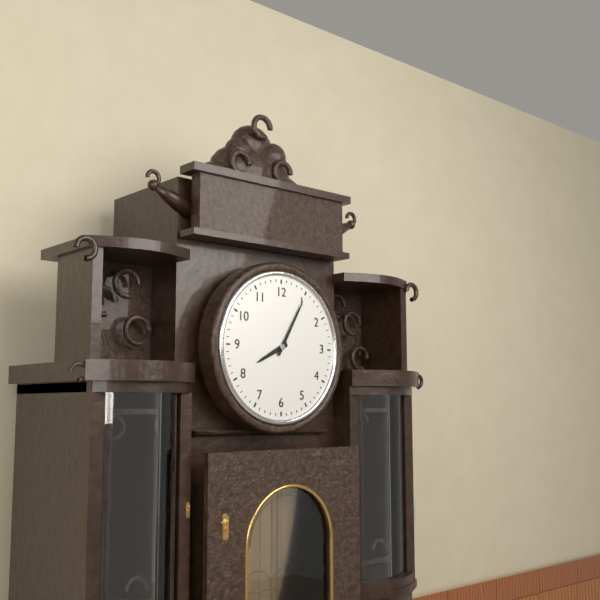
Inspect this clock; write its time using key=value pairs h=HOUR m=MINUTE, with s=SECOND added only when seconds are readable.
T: h=8 m=5
